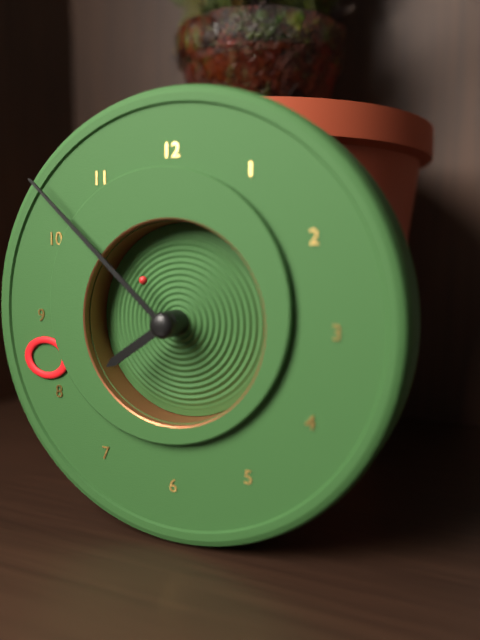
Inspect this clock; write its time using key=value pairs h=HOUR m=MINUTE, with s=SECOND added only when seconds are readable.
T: h=7 m=52 s=52
